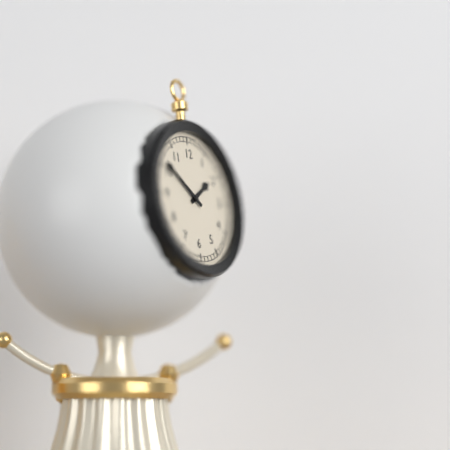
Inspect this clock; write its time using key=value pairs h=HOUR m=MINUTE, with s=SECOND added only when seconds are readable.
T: h=1 m=51
